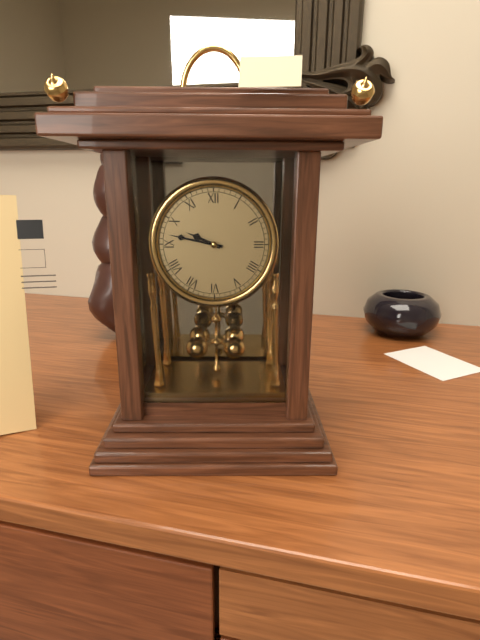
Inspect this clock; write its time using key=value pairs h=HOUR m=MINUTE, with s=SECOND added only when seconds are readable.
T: h=9 m=47
